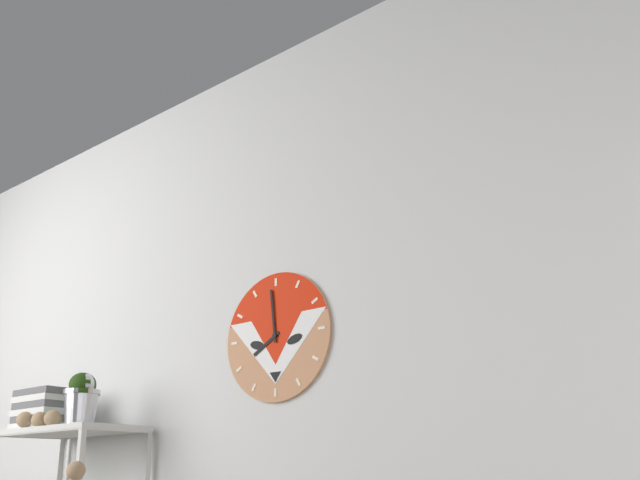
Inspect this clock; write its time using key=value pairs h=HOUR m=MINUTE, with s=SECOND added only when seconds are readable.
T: h=7 m=59
